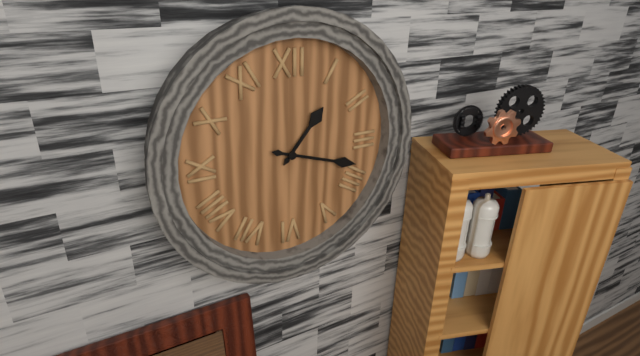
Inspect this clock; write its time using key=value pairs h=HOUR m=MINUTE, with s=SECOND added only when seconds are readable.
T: h=1 m=18
